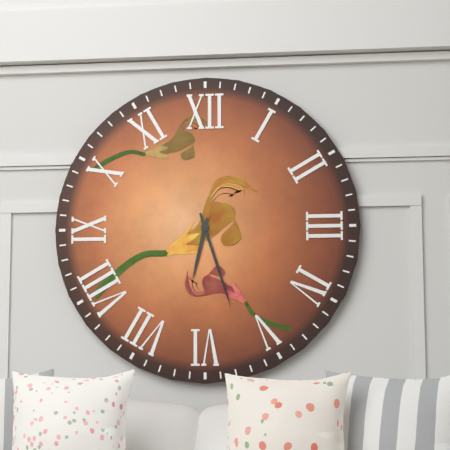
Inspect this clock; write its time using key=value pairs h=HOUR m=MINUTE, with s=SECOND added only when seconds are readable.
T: h=6 m=27
